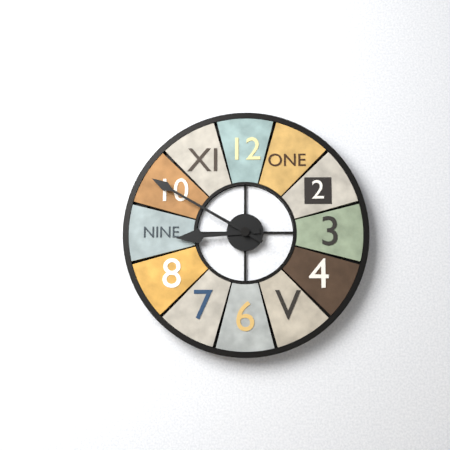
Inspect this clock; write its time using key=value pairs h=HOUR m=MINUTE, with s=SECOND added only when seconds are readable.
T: h=8 m=50
